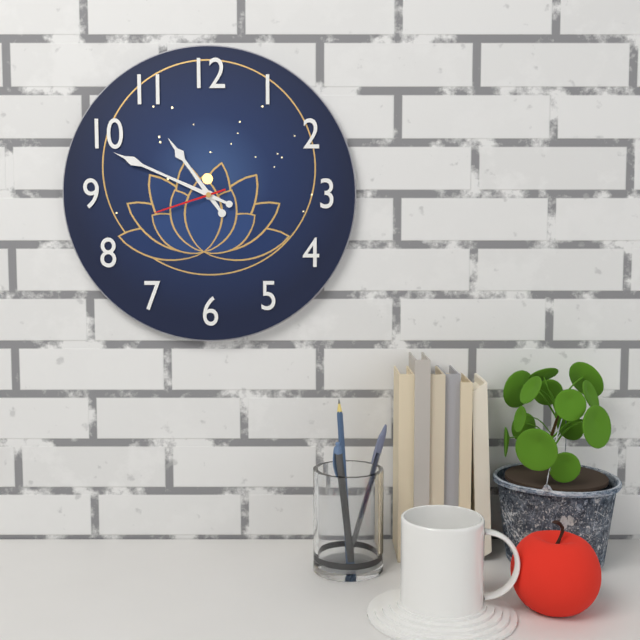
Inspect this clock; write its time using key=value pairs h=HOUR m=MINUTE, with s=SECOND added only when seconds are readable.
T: h=10 m=49 s=42
